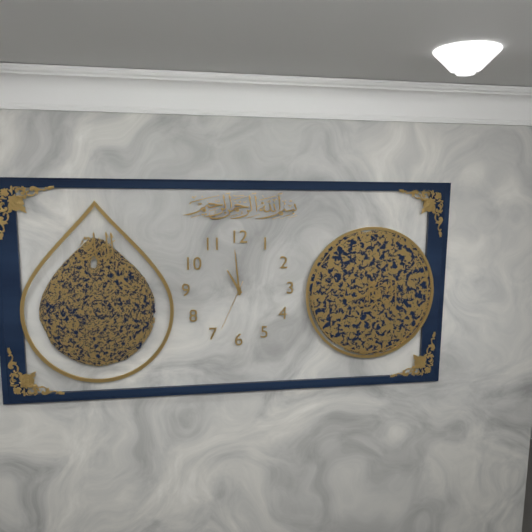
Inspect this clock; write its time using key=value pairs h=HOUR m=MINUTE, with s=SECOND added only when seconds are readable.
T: h=10 m=59 s=34
